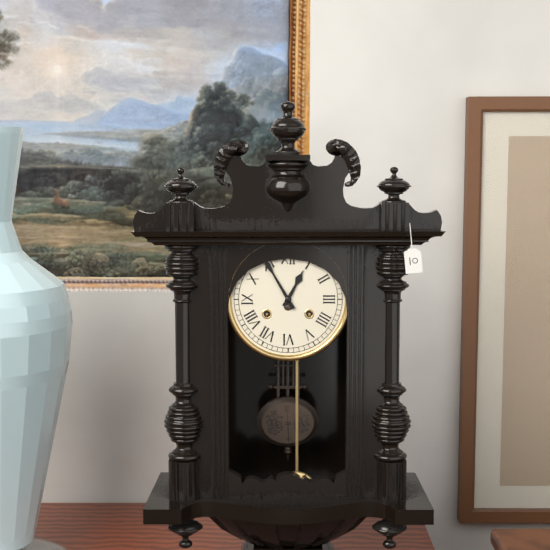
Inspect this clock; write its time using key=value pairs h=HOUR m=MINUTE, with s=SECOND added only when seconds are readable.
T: h=12 m=55
